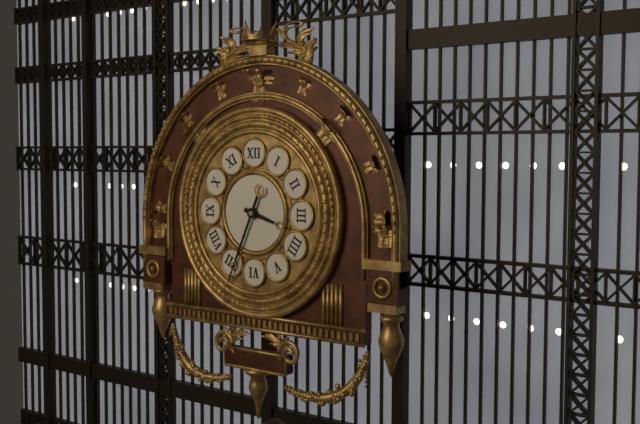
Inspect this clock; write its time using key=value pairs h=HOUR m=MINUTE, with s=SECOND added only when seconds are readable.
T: h=3 m=34
